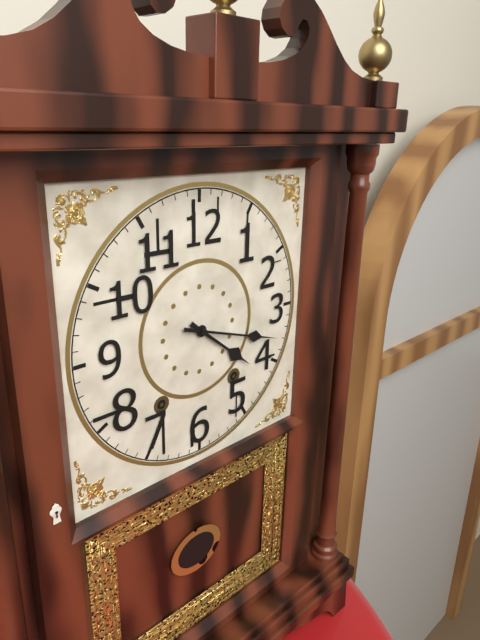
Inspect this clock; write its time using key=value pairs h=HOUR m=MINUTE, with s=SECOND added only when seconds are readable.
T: h=4 m=18
